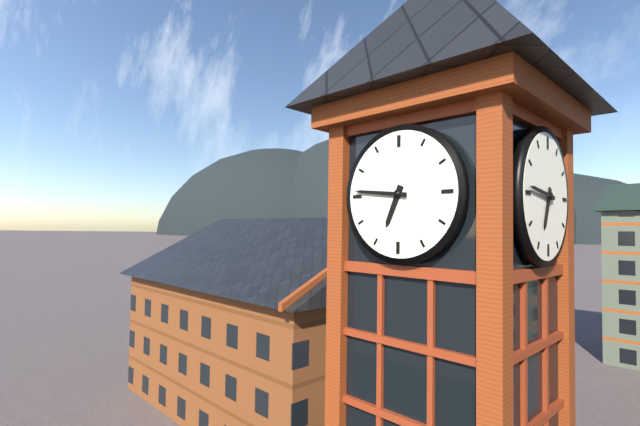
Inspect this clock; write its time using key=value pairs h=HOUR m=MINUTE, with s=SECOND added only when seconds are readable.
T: h=6 m=46
